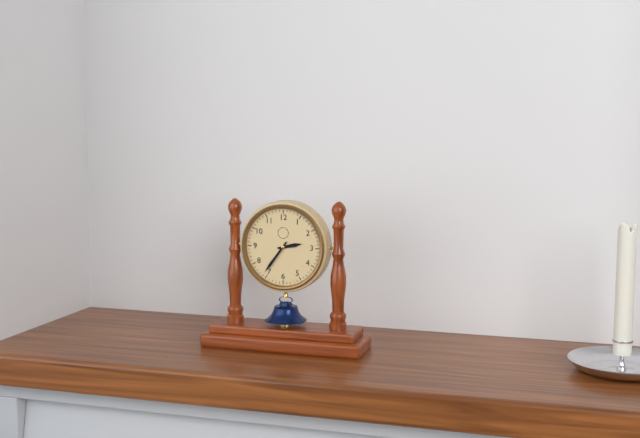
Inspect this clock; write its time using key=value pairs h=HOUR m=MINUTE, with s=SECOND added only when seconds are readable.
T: h=2 m=36
